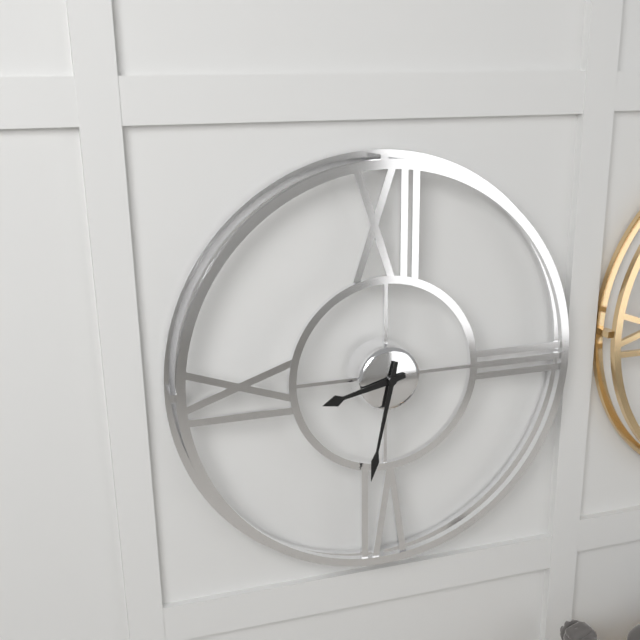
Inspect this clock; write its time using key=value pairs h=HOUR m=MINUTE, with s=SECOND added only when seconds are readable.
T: h=8 m=32
